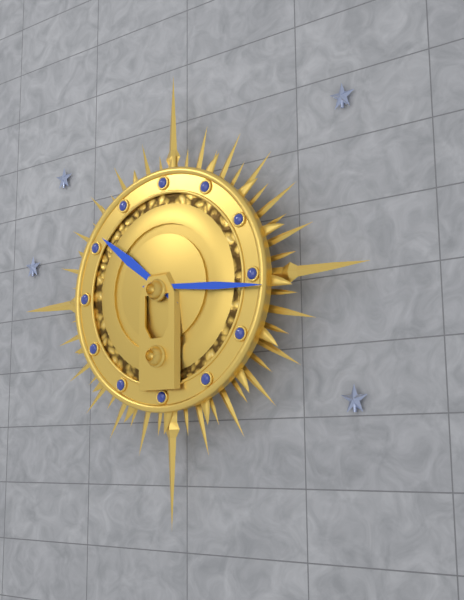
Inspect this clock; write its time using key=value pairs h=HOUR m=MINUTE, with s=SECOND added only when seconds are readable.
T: h=10 m=16
